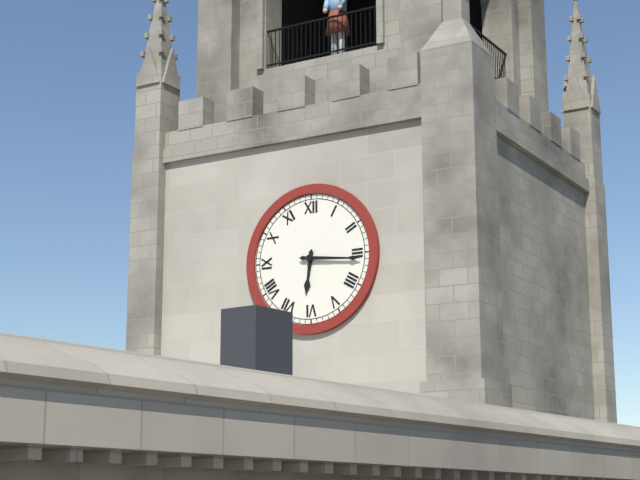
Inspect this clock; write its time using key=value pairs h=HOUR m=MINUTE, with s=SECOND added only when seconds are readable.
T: h=6 m=16
